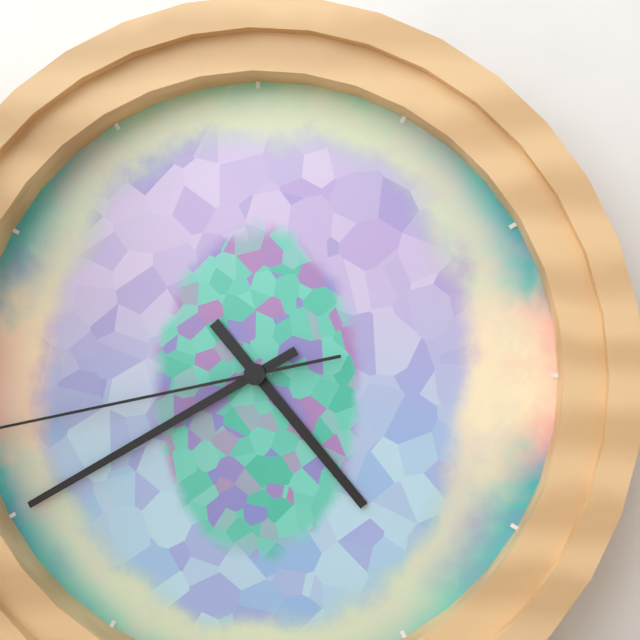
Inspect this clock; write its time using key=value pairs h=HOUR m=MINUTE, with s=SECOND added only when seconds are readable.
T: h=4 m=40
